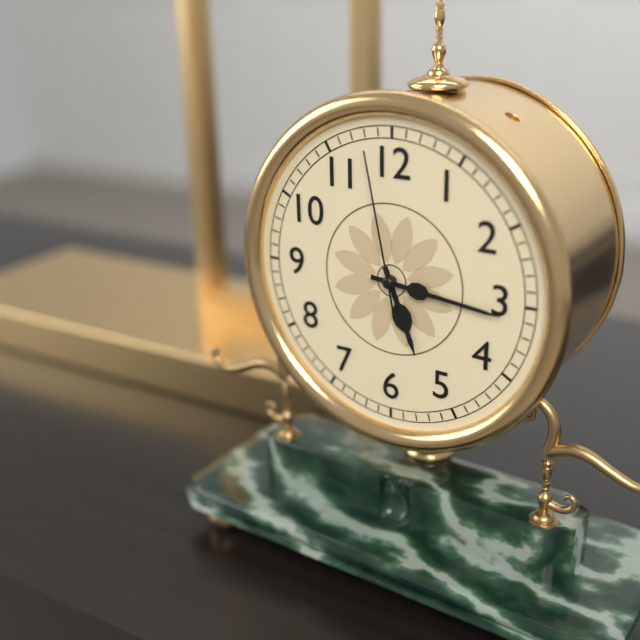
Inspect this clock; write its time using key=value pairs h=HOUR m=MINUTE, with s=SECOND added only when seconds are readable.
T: h=5 m=16 s=58
